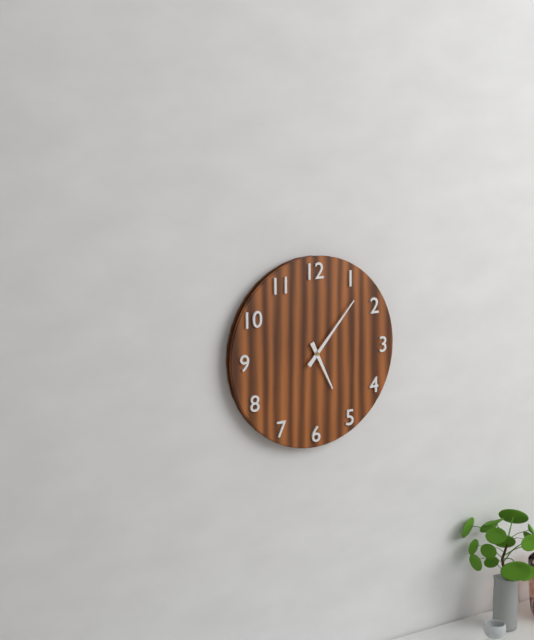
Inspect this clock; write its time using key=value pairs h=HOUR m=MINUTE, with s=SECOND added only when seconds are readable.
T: h=5 m=7
